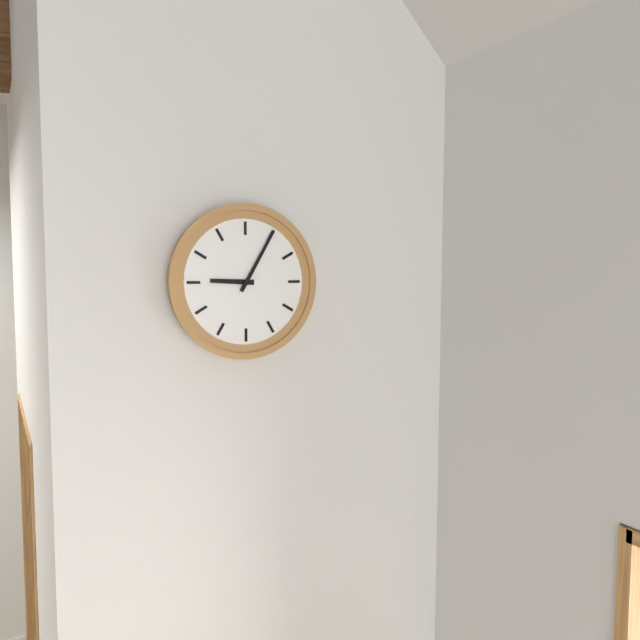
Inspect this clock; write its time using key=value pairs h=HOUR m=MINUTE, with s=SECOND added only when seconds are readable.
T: h=9 m=5
